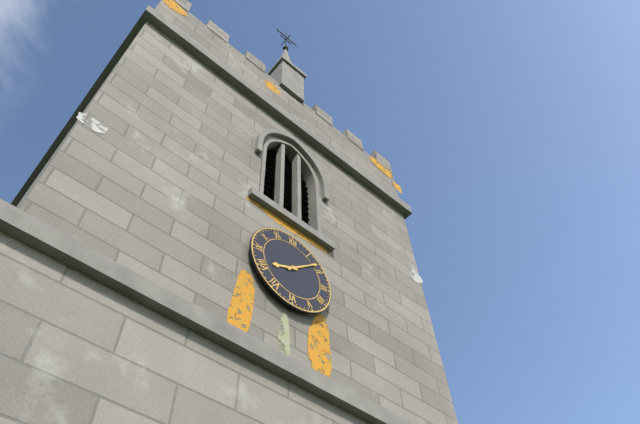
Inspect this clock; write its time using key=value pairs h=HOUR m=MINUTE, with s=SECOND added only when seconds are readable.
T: h=8 m=8
